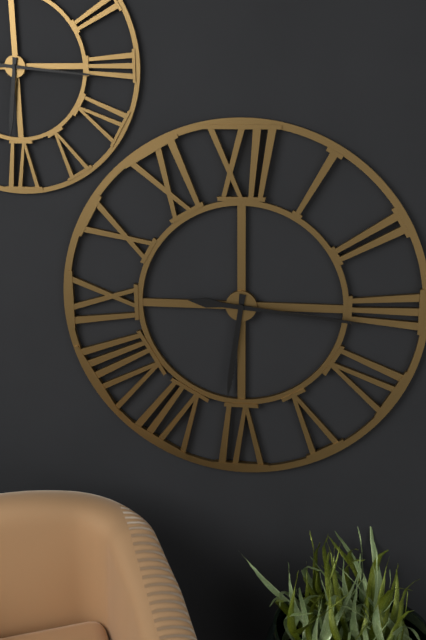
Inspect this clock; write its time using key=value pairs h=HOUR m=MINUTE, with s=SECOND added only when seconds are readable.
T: h=6 m=16
